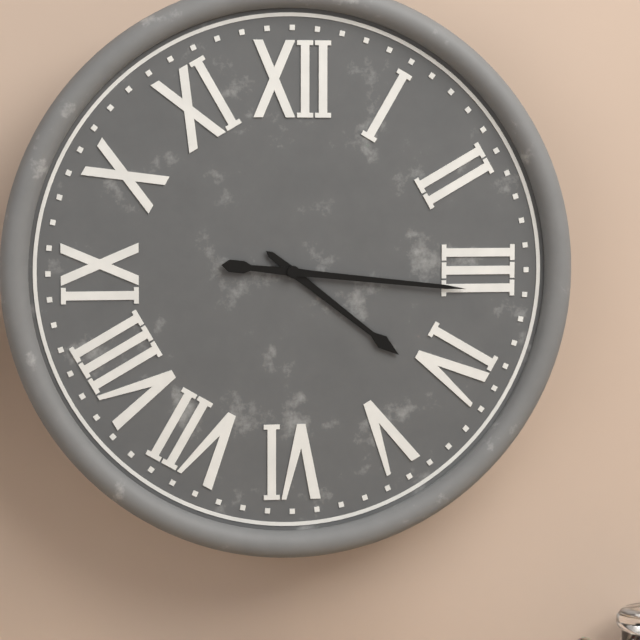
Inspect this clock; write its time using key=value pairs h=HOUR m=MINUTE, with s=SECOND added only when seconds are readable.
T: h=4 m=16
